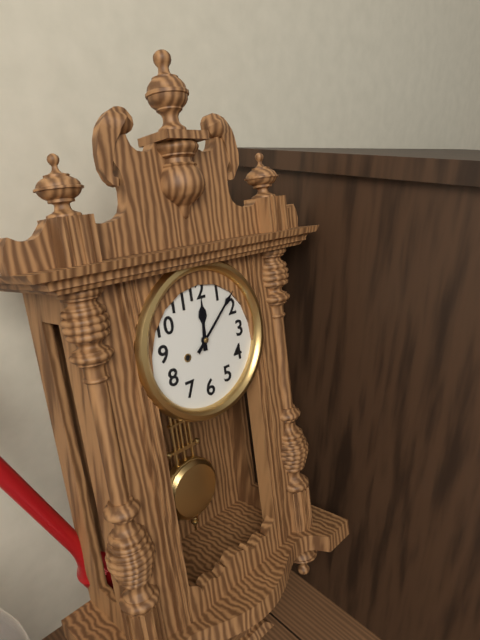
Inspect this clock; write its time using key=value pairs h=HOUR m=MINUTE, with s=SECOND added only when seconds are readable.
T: h=12 m=8
